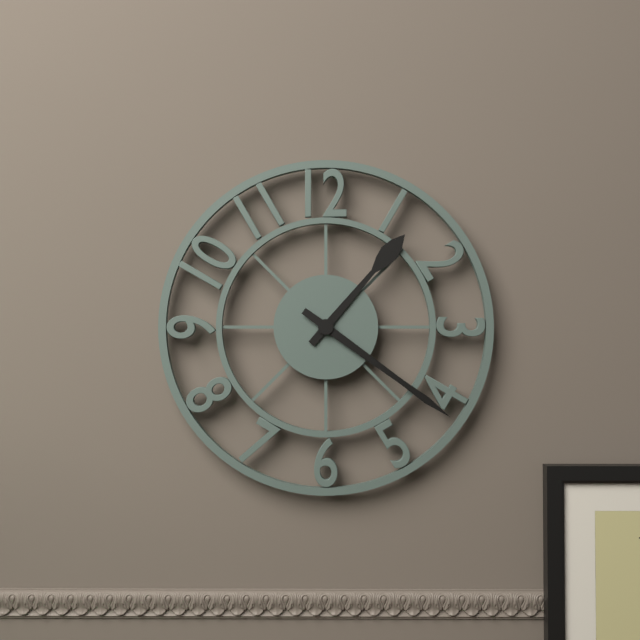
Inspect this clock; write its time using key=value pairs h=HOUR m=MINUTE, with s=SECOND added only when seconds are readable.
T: h=1 m=21
